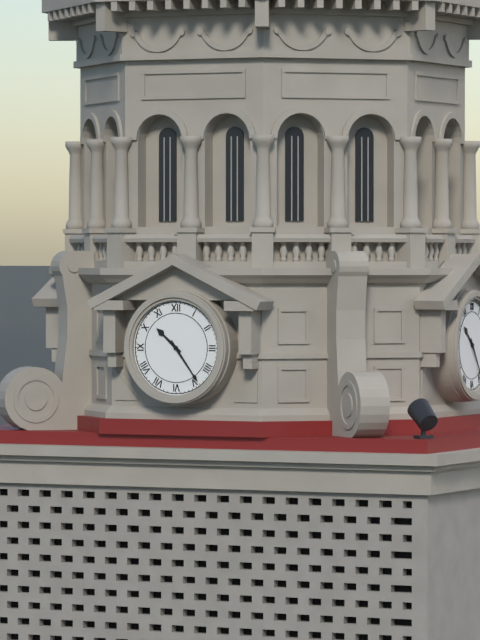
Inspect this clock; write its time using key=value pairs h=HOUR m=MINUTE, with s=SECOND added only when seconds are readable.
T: h=10 m=24
